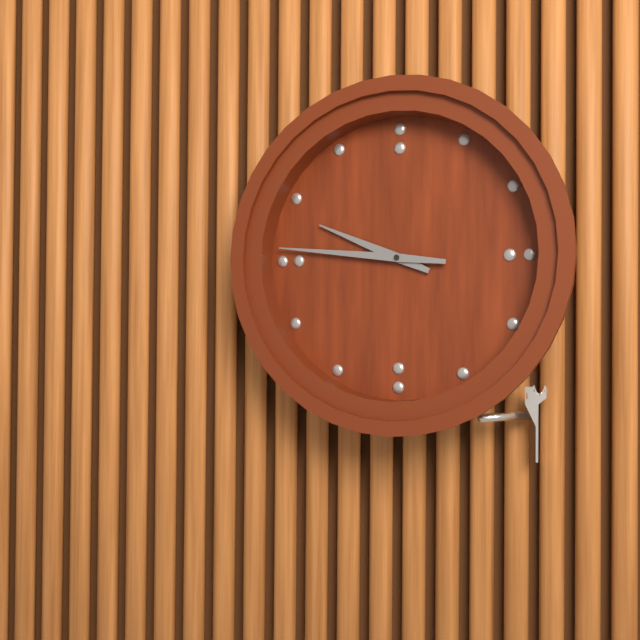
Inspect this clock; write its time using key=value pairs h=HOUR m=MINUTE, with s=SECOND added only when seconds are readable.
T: h=9 m=46
